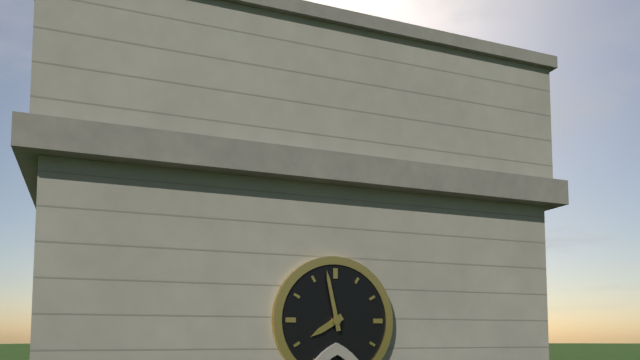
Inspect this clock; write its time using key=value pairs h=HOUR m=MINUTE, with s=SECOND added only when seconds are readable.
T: h=7 m=58
